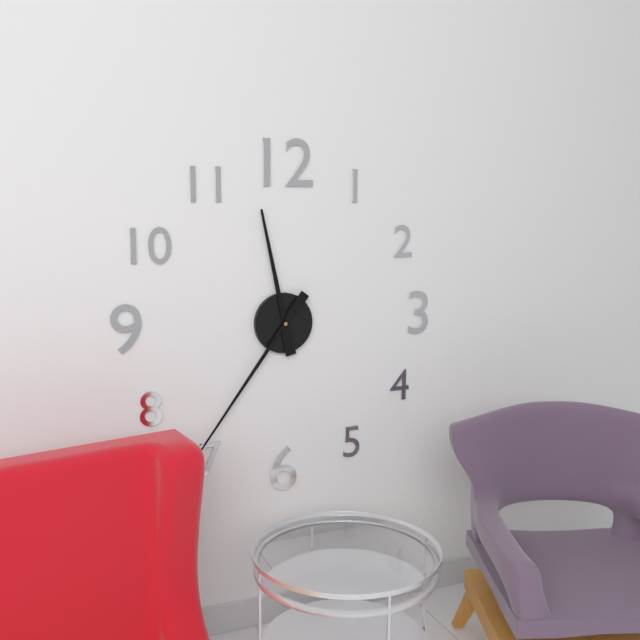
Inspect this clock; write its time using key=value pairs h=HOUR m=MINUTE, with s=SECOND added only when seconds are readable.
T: h=11 m=36
